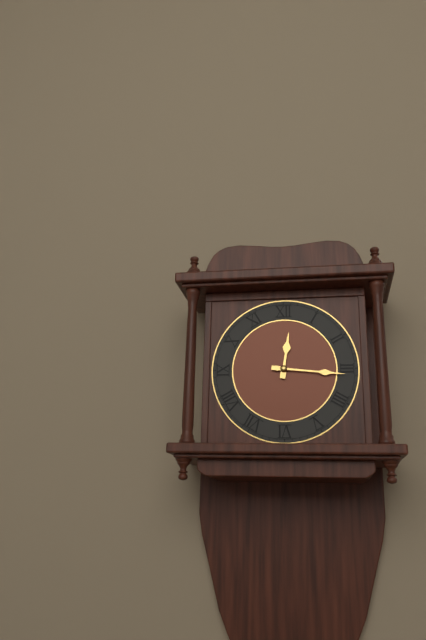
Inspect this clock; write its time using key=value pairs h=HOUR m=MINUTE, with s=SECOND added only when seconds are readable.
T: h=12 m=16
